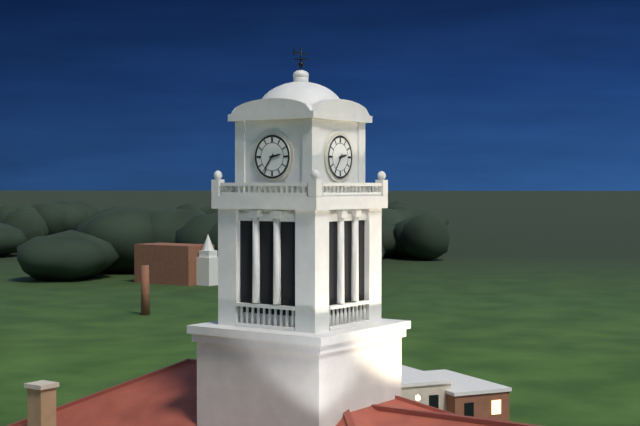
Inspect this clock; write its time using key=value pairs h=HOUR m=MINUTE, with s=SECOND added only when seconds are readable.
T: h=2 m=36
